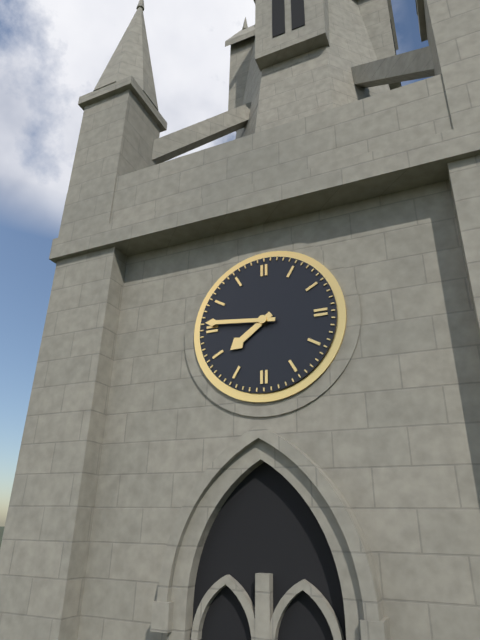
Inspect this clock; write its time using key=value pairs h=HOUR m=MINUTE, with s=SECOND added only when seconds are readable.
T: h=7 m=46
